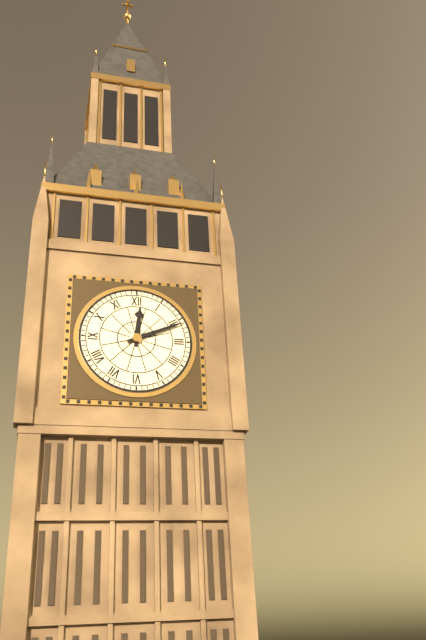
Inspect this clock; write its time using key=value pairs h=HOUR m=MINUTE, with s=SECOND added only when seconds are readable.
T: h=12 m=11
